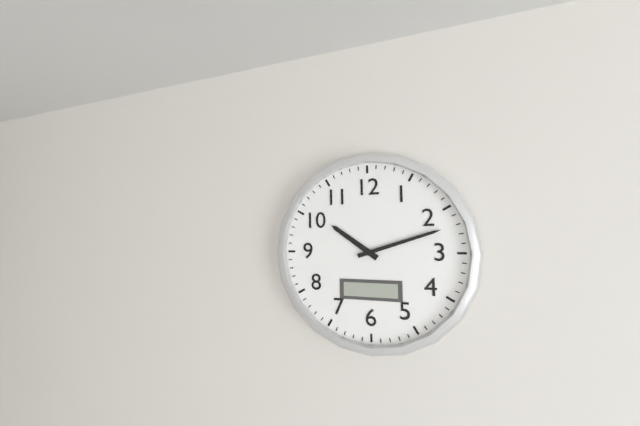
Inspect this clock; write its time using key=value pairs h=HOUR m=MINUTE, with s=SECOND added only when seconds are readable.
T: h=10 m=12
